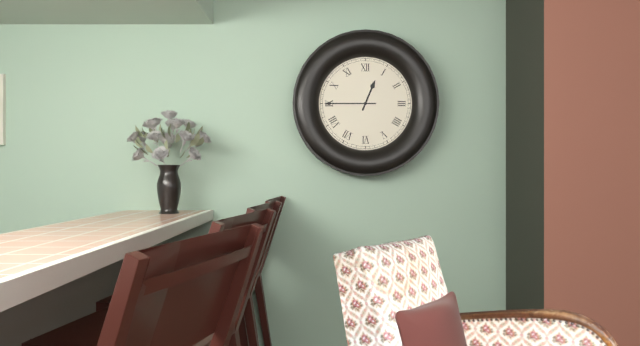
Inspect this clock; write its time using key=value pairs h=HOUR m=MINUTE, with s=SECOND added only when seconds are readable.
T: h=12 m=45
